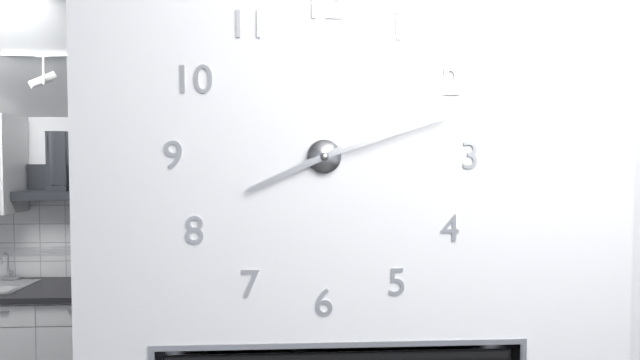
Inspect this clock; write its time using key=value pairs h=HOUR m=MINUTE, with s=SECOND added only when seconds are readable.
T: h=8 m=12
